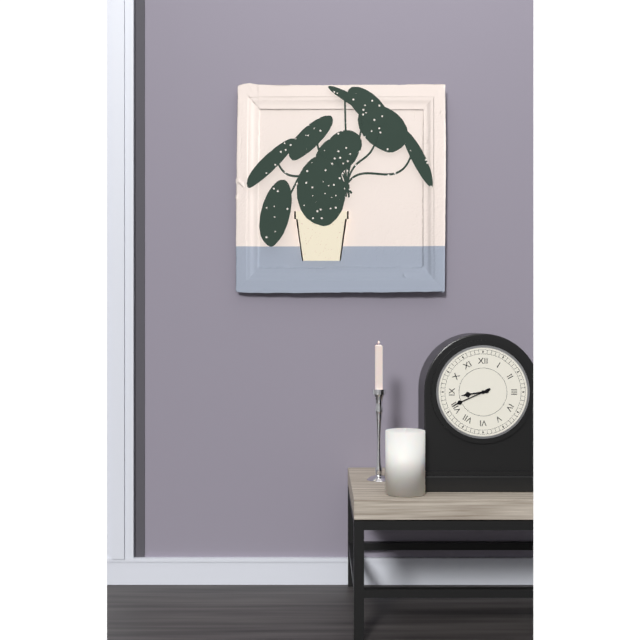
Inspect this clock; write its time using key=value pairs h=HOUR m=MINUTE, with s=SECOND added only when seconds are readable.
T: h=8 m=41
